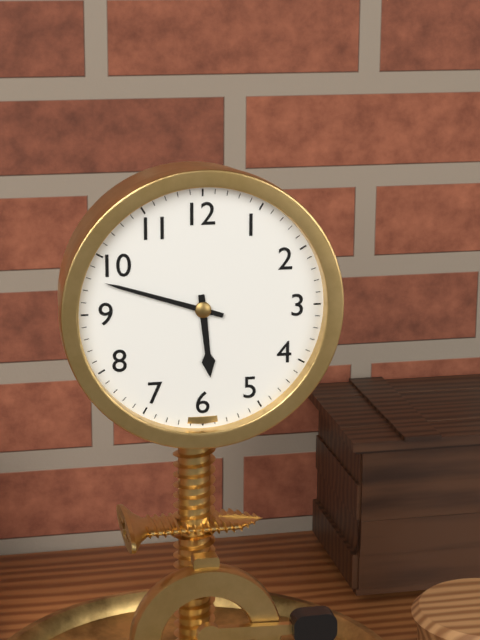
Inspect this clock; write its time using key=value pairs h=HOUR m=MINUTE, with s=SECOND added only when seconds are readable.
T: h=5 m=48
